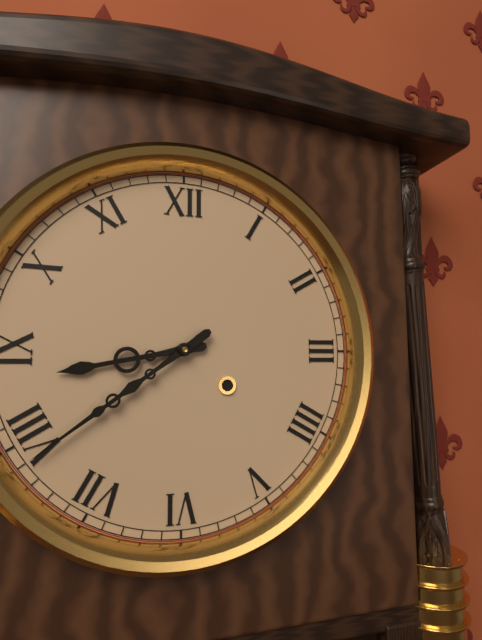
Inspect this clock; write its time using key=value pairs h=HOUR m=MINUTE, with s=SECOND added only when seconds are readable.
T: h=8 m=39
